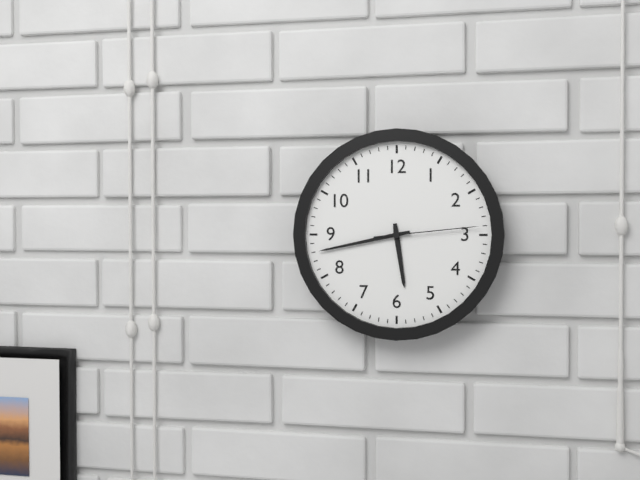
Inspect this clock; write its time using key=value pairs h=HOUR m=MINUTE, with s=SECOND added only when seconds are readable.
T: h=5 m=43 s=14
